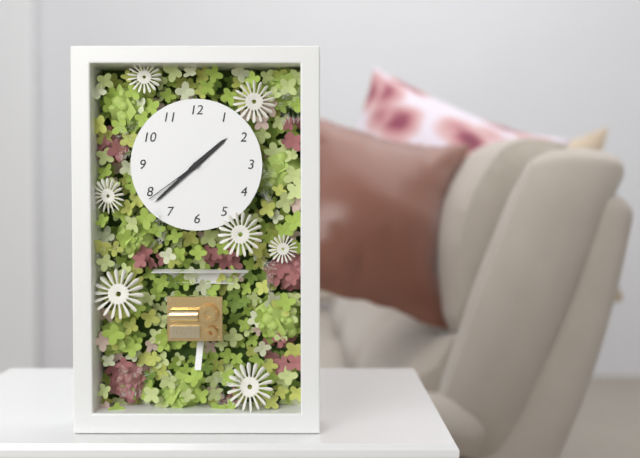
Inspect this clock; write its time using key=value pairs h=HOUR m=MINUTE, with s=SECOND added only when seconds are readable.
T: h=1 m=38 s=39
